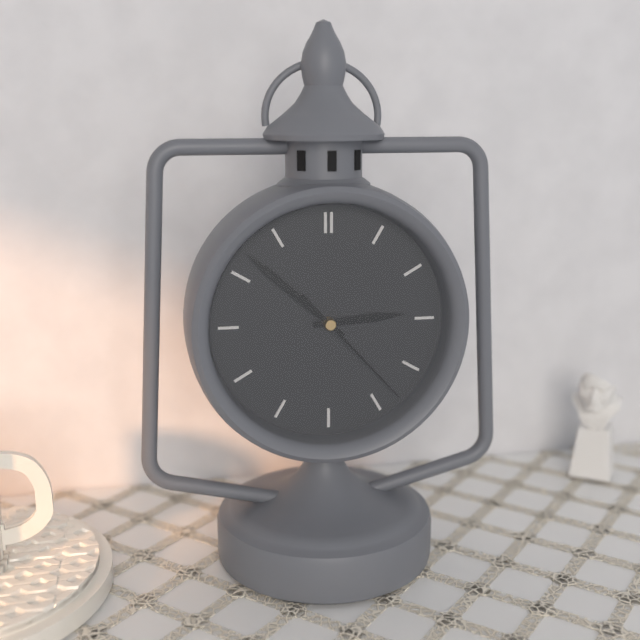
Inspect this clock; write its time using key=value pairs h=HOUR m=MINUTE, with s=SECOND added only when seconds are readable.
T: h=2 m=52 s=23
